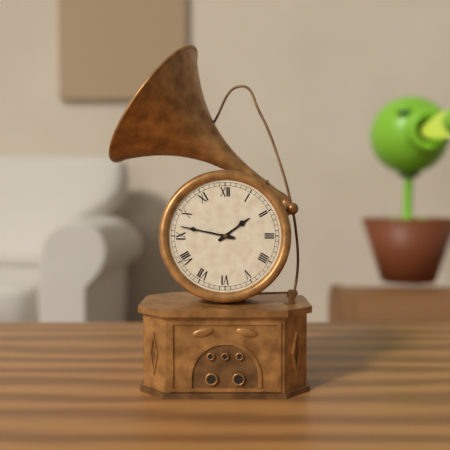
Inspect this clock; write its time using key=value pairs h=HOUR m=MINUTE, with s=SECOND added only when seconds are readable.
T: h=1 m=47
